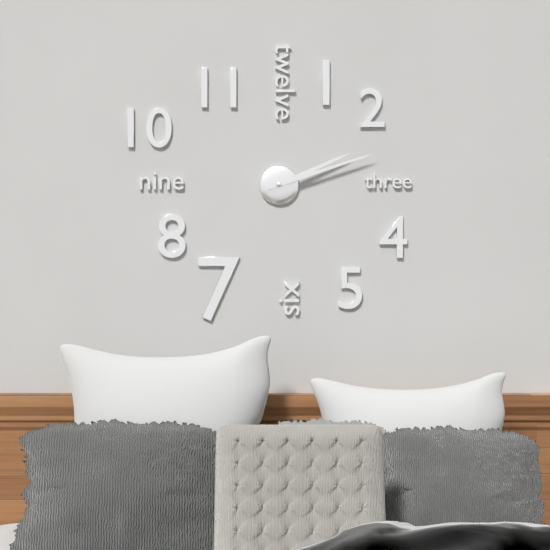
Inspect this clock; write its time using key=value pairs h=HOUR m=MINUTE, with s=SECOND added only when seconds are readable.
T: h=2 m=12
